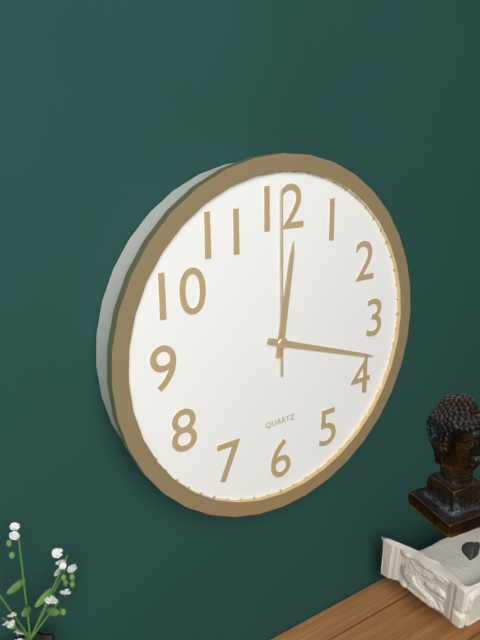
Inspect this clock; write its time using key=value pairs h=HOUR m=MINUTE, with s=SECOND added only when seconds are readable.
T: h=12 m=18 s=0
